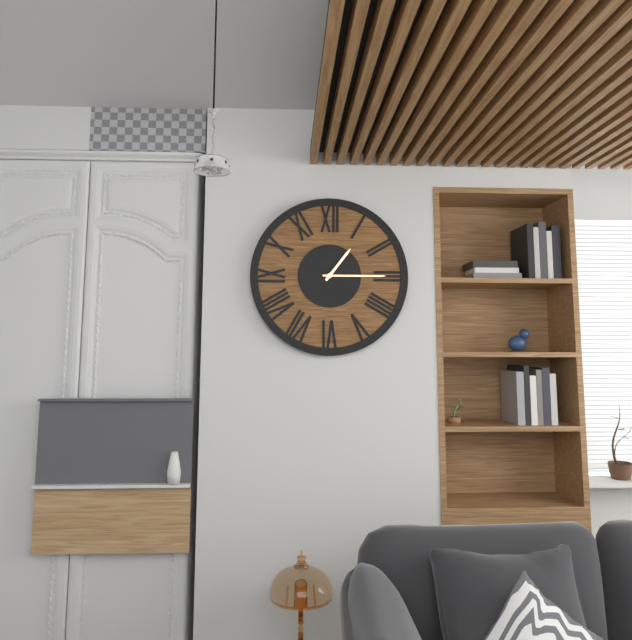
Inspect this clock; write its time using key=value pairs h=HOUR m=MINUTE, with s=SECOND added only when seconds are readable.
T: h=1 m=15
